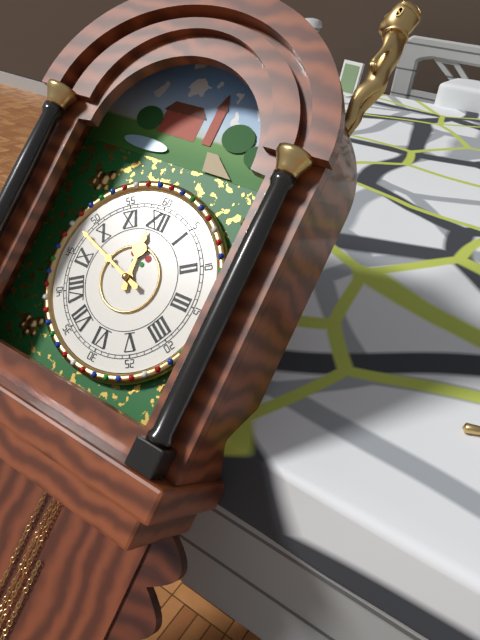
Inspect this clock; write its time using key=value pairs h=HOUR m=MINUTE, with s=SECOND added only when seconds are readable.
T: h=11 m=48
